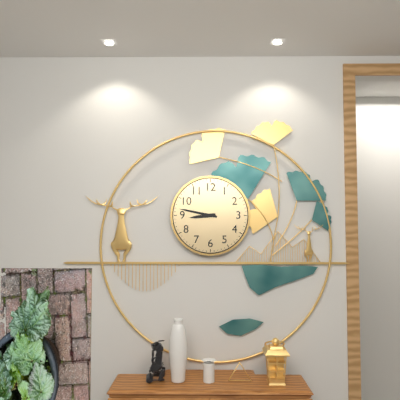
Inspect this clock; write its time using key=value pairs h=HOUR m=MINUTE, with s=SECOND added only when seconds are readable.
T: h=8 m=47
